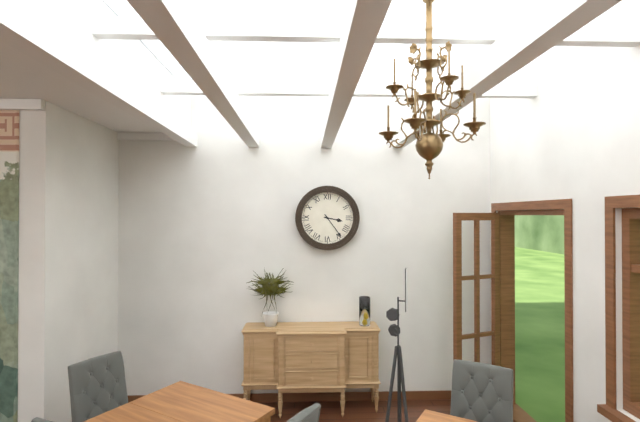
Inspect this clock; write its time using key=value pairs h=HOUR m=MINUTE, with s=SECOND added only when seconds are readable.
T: h=3 m=24
